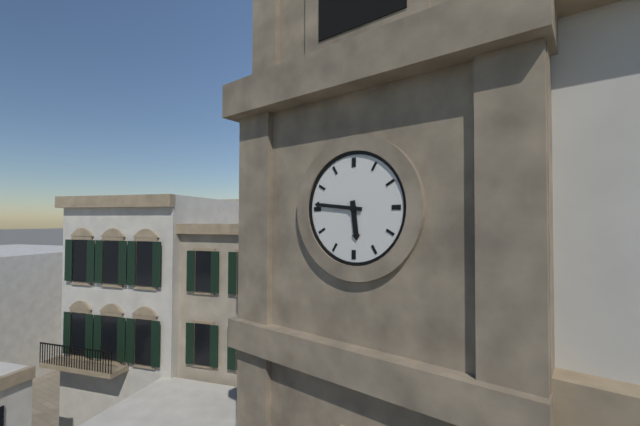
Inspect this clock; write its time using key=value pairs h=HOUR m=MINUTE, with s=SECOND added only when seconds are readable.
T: h=5 m=46
